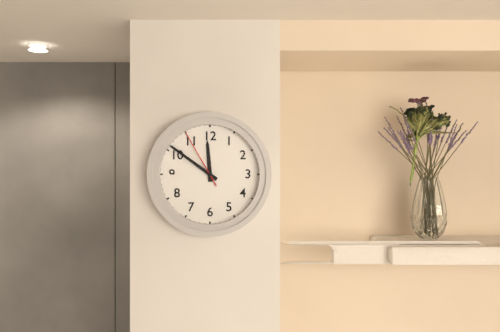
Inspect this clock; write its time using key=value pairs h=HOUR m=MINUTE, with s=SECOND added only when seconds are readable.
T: h=11 m=51 s=55
